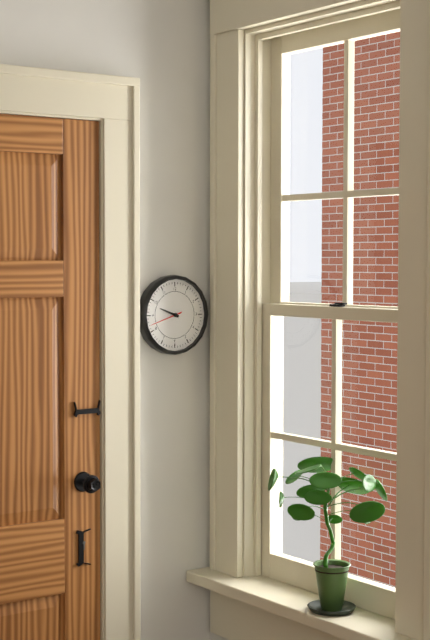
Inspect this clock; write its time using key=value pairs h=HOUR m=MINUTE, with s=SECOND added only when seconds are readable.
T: h=9 m=42
